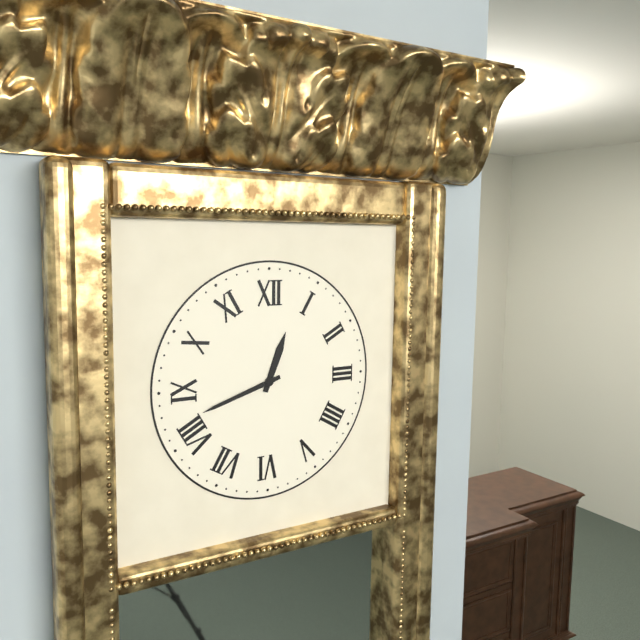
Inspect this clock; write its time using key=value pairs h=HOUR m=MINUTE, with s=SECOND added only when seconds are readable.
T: h=12 m=42
